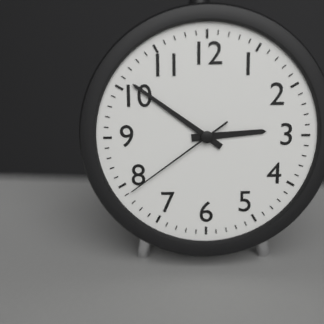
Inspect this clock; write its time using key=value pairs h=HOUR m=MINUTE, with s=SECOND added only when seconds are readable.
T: h=2 m=51 s=39
